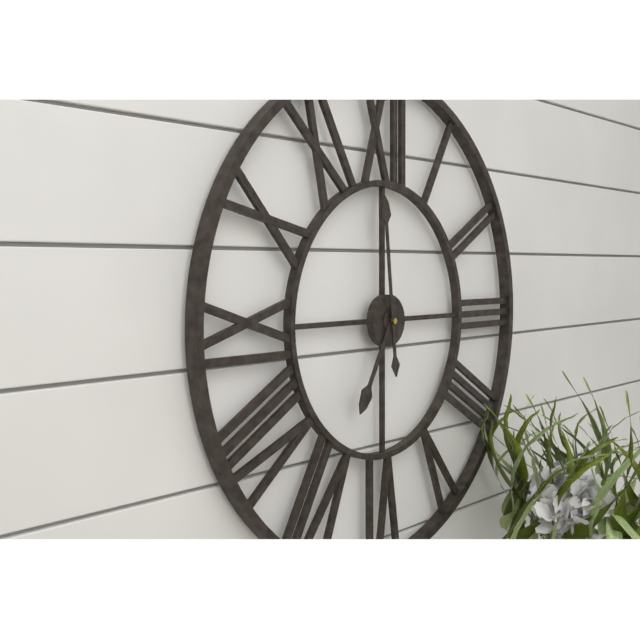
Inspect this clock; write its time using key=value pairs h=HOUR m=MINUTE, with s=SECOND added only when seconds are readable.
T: h=6 m=59
